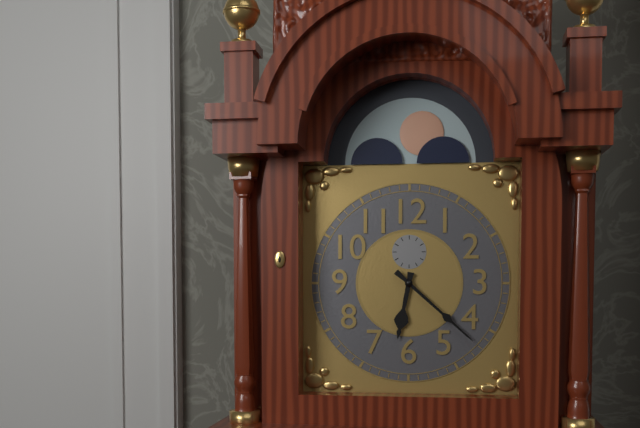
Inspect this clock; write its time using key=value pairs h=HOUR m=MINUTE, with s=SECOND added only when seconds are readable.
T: h=6 m=22
